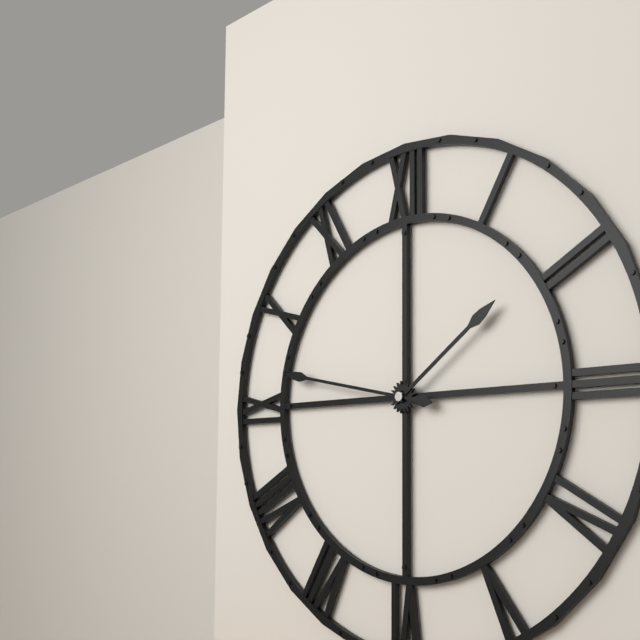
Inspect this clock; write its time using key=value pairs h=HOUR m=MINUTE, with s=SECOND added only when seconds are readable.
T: h=1 m=47
